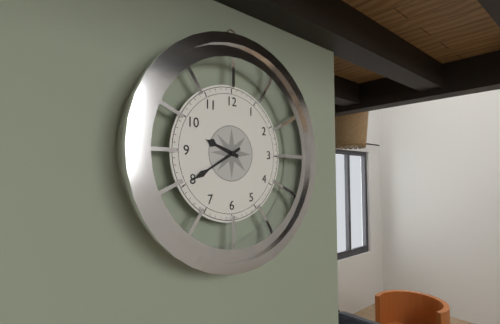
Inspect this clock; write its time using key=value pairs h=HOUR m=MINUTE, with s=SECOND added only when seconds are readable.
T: h=9 m=40
